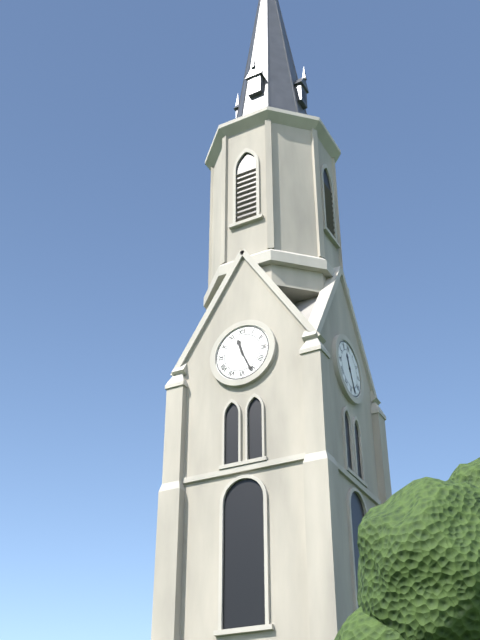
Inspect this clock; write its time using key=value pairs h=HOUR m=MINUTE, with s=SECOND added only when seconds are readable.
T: h=11 m=26
